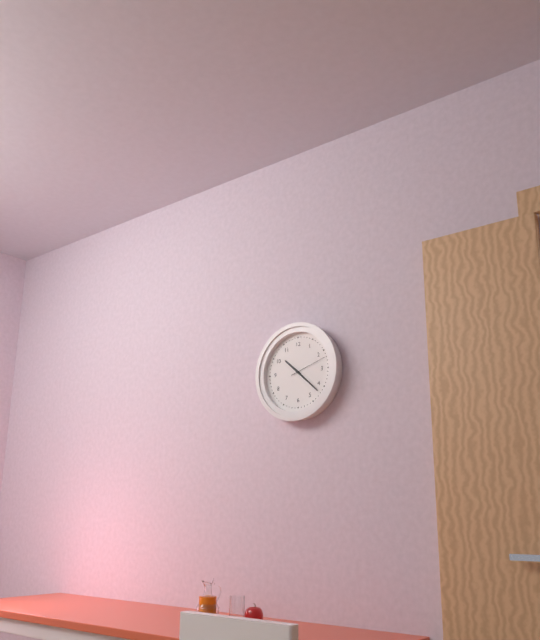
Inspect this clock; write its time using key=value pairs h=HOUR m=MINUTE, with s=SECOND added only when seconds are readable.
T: h=10 m=22
